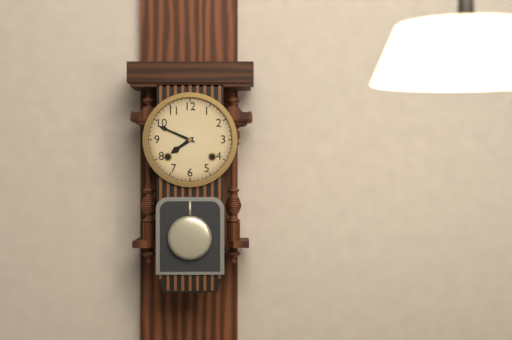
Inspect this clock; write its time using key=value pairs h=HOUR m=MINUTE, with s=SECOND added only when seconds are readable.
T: h=7 m=49
